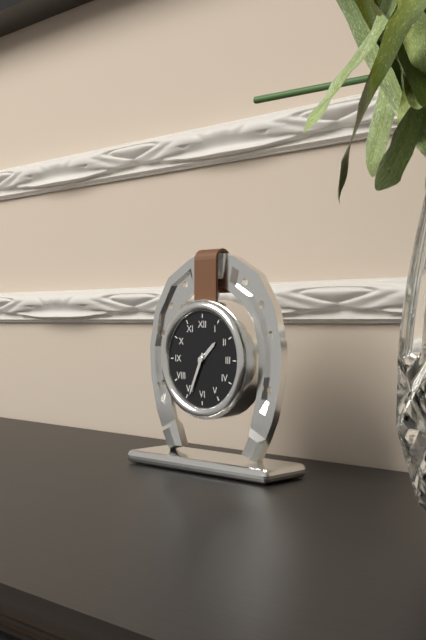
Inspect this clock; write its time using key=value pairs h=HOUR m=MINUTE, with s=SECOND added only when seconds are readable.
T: h=1 m=34
